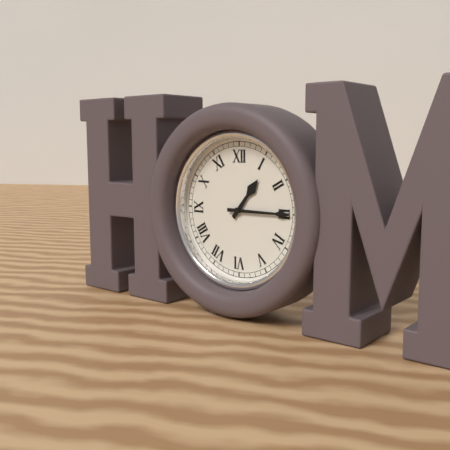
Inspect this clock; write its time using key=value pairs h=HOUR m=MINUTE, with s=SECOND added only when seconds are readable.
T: h=1 m=15
